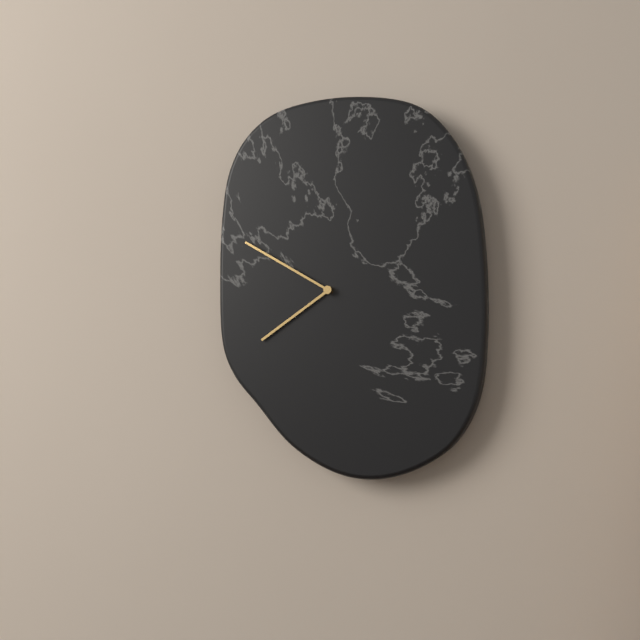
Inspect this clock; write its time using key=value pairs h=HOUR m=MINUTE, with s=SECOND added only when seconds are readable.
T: h=7 m=50
